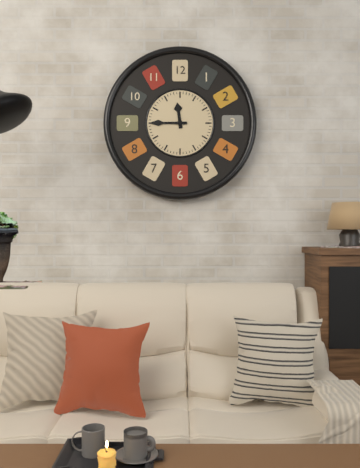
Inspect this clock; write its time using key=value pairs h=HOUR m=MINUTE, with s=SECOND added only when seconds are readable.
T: h=11 m=45
